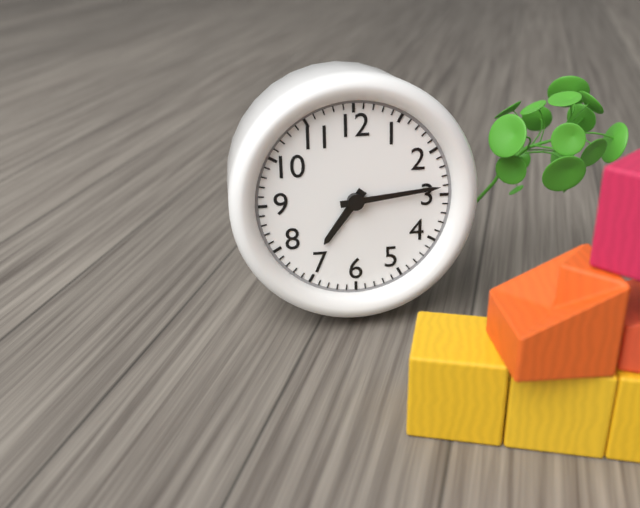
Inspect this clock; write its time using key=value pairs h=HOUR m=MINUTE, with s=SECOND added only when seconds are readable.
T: h=7 m=14
